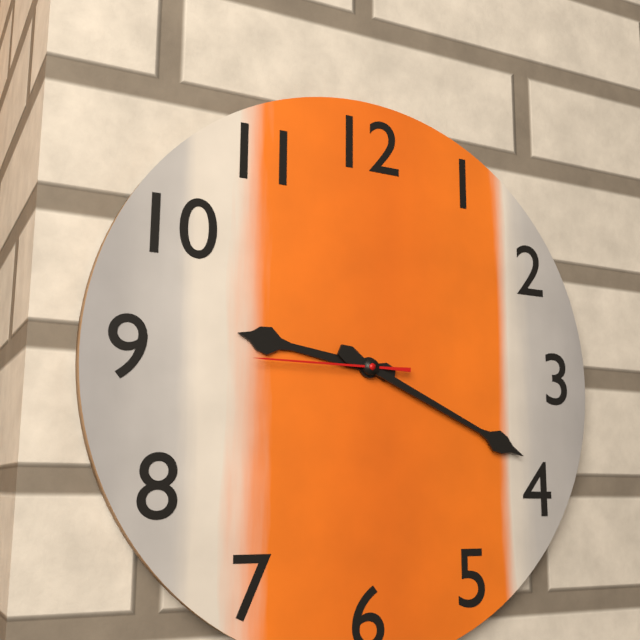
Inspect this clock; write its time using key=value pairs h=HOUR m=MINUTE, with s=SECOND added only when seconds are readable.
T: h=9 m=19 s=45
